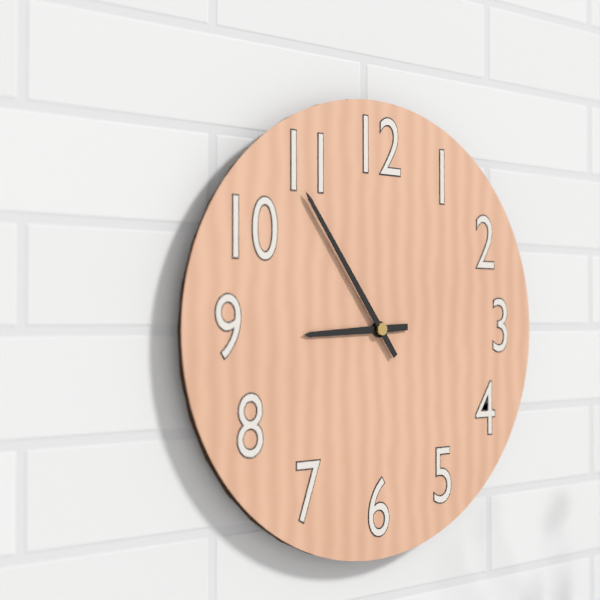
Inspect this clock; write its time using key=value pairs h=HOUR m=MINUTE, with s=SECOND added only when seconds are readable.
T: h=8 m=54
